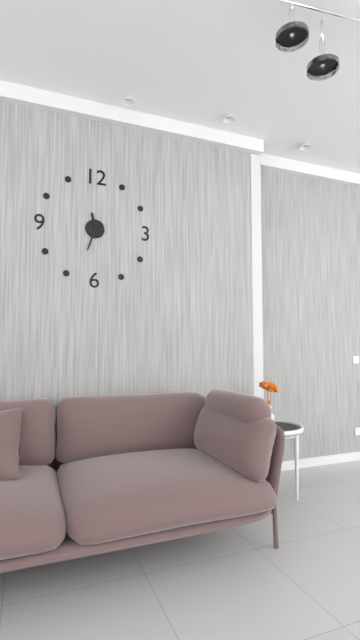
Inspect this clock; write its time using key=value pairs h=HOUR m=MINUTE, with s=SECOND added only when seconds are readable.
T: h=11 m=33
